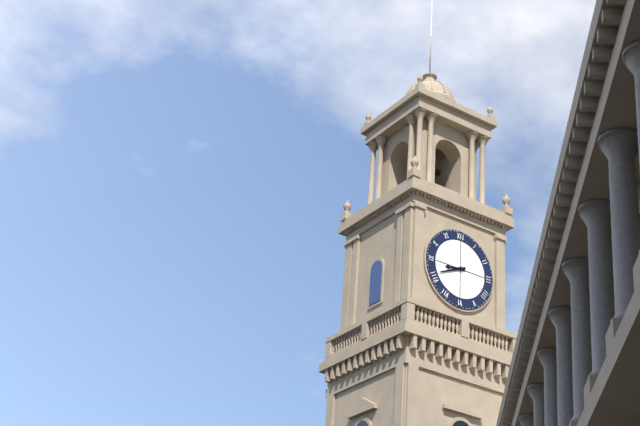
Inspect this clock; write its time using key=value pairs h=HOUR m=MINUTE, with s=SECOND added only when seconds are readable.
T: h=8 m=41
